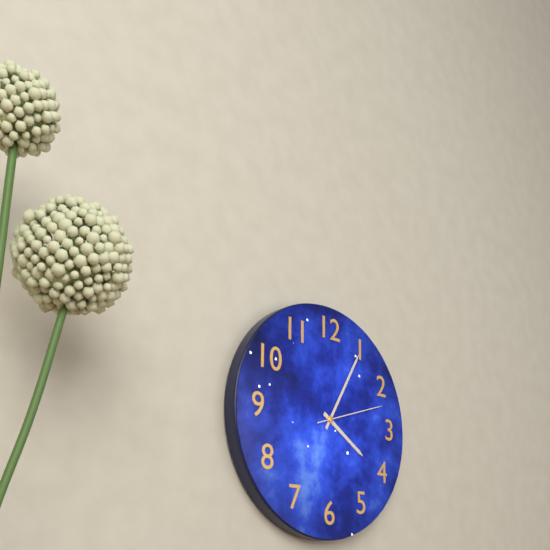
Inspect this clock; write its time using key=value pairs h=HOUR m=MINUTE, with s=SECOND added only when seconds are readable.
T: h=4 m=5 s=12
